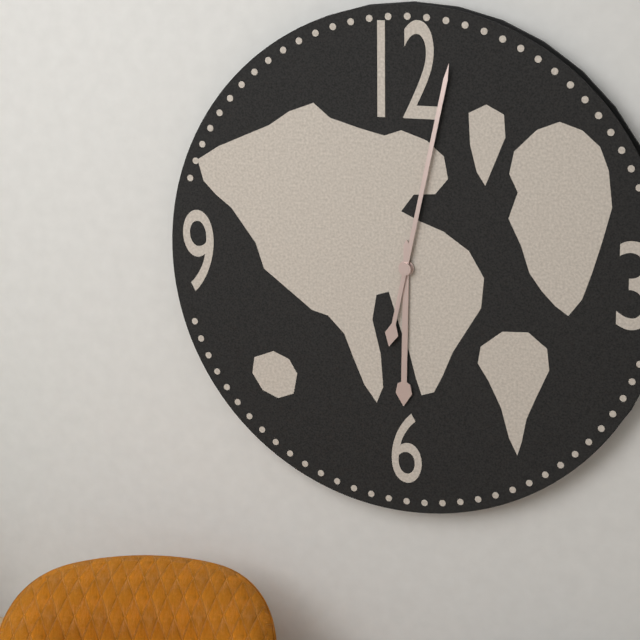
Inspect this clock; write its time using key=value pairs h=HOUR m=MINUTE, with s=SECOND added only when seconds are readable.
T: h=6 m=2
